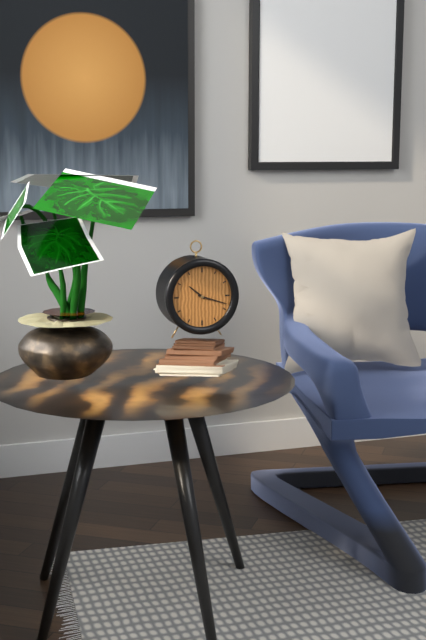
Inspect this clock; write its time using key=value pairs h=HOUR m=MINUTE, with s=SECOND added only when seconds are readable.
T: h=10 m=18
